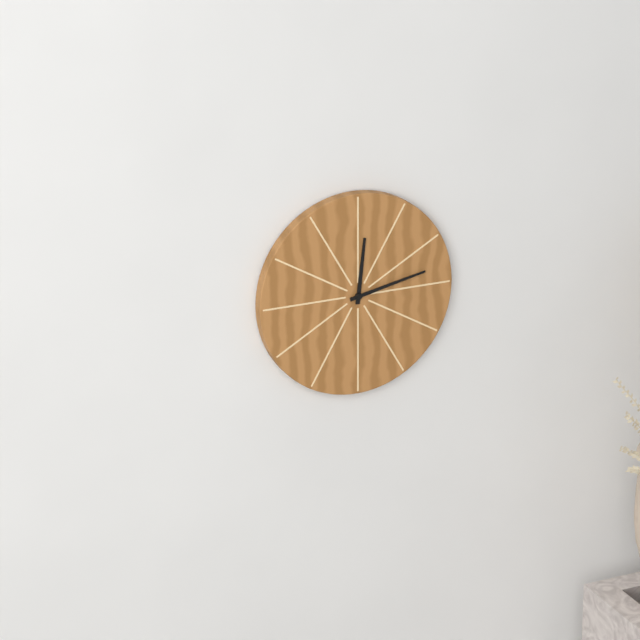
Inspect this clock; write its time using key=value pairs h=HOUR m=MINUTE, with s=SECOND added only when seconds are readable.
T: h=12 m=13
